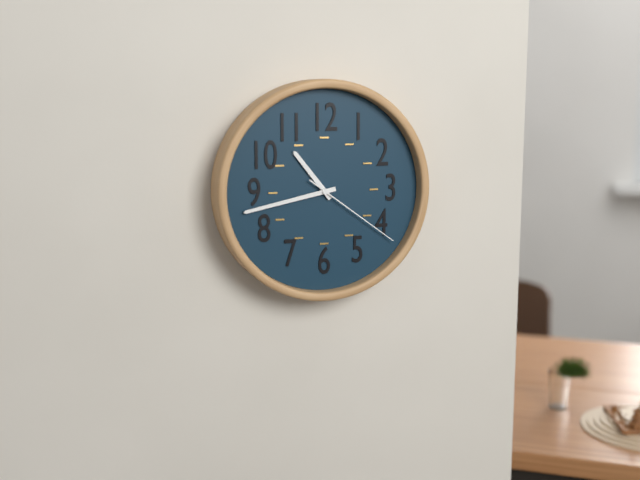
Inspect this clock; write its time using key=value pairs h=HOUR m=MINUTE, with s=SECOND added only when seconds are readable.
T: h=10 m=43 s=21
